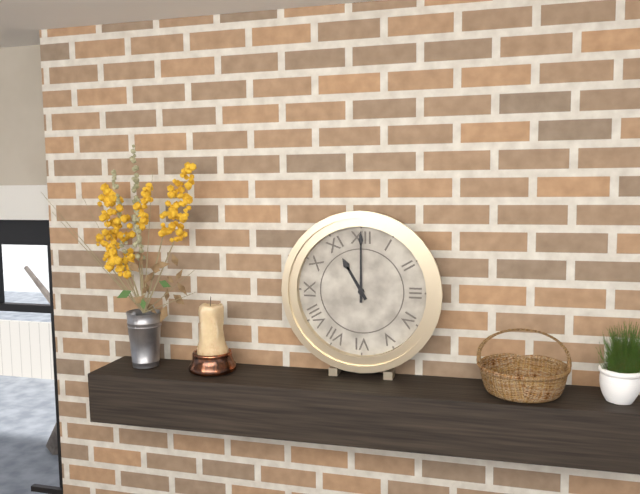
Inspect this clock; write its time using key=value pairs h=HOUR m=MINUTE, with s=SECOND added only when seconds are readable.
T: h=11 m=0
